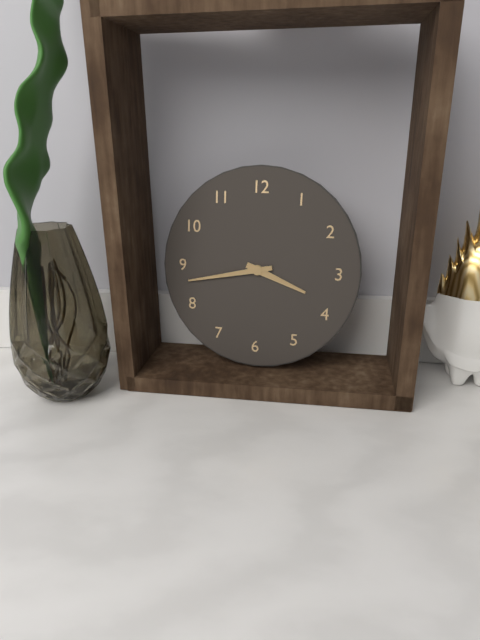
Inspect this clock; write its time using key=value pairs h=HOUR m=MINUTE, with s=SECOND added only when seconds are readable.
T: h=3 m=43
